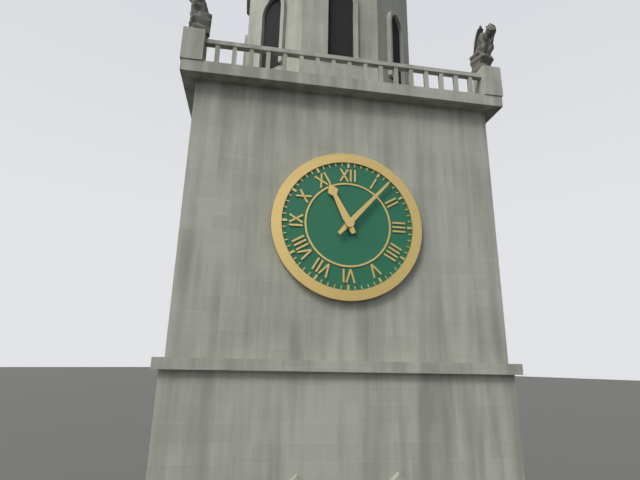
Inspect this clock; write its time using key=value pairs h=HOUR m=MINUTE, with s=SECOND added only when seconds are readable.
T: h=11 m=7
